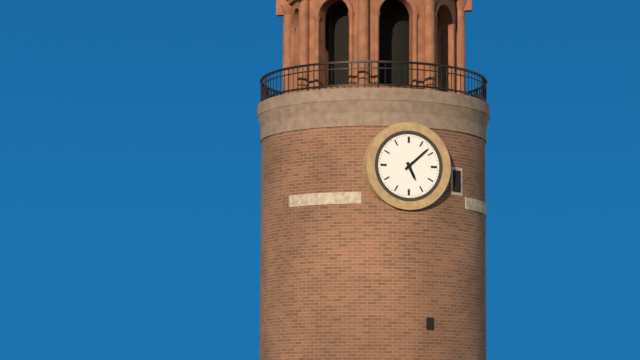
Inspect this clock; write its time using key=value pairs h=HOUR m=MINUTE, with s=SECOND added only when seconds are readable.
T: h=5 m=8
